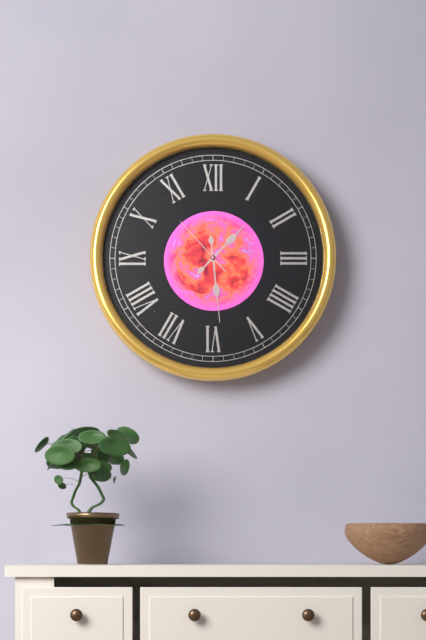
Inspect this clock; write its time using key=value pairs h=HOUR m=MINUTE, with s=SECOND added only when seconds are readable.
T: h=1 m=29 s=53
